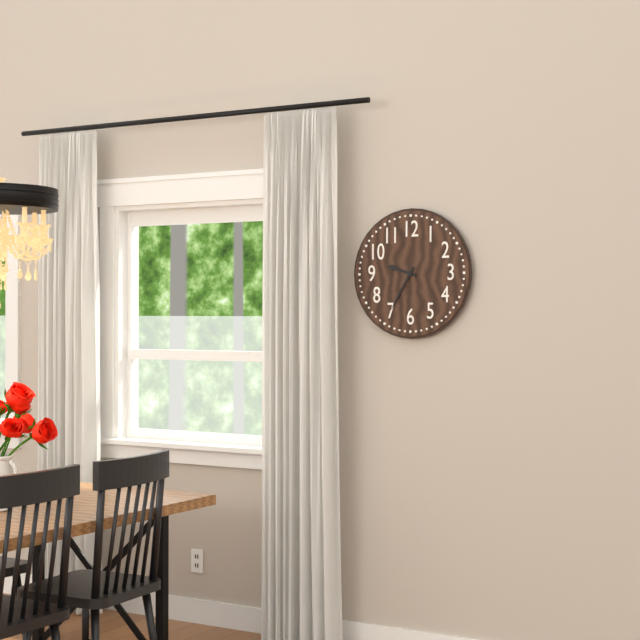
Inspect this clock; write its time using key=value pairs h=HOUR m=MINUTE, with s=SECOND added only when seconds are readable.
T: h=9 m=35
